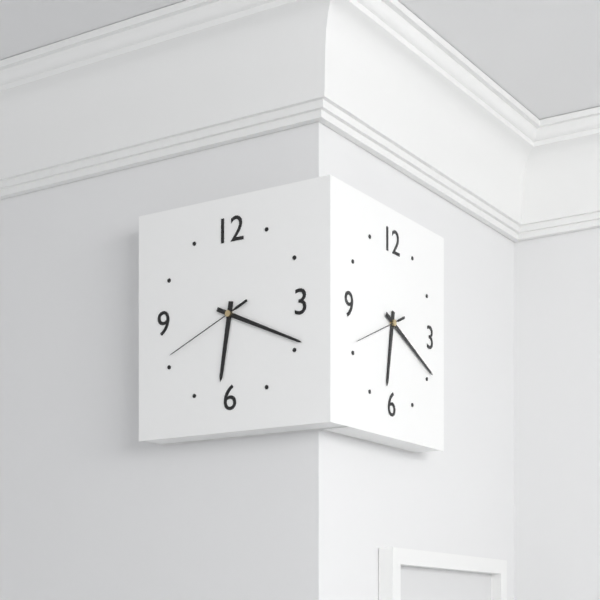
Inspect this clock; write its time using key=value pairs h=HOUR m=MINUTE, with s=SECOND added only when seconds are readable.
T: h=6 m=19 s=41
